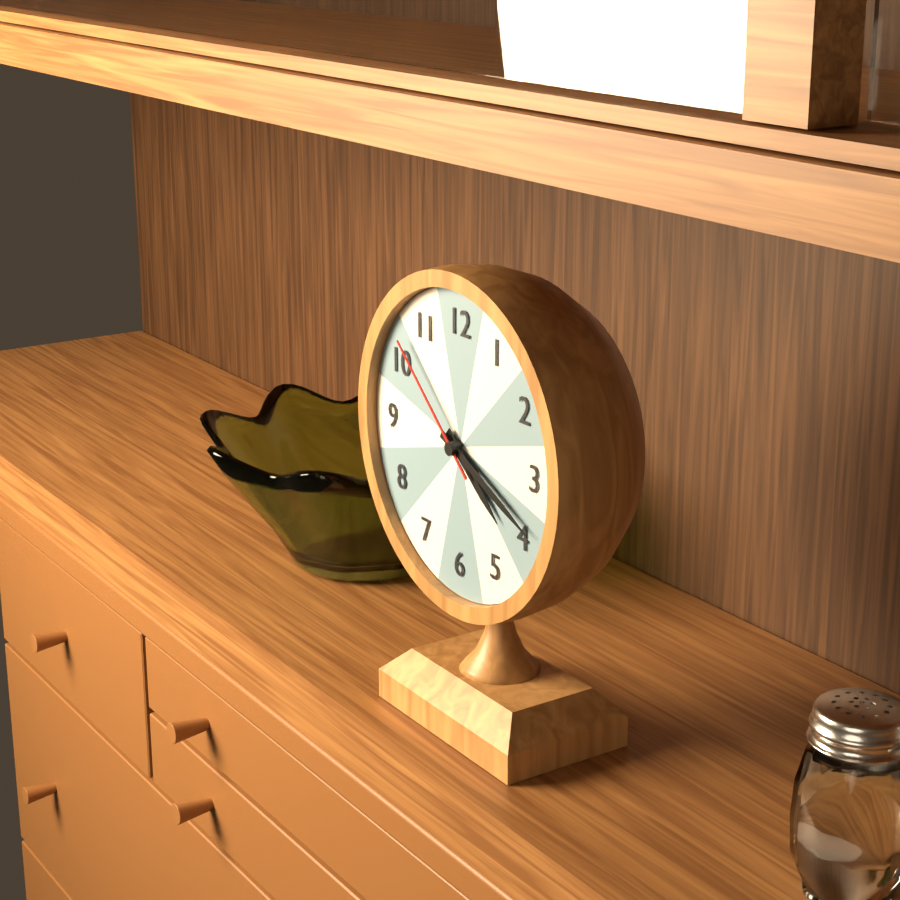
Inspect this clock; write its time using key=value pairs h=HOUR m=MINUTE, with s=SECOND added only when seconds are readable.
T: h=4 m=19 s=52
